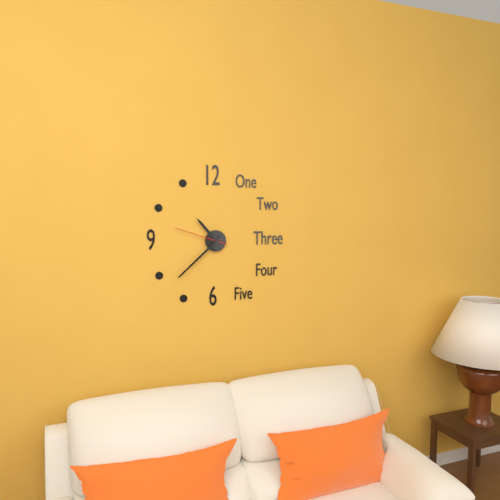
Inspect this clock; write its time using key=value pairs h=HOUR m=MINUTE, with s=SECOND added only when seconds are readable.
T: h=10 m=38 s=48
